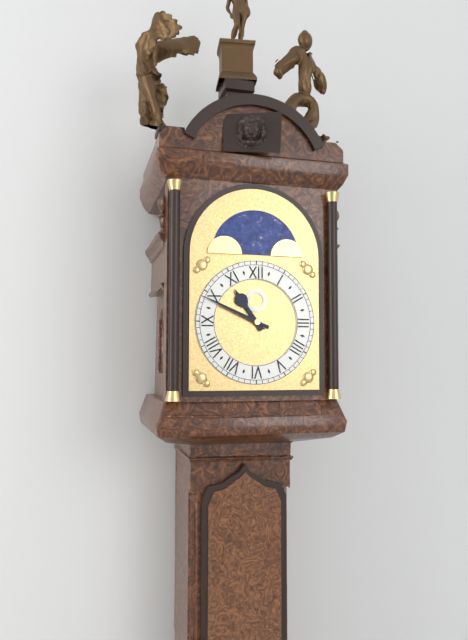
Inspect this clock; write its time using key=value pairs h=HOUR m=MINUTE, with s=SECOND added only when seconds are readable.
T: h=10 m=49
